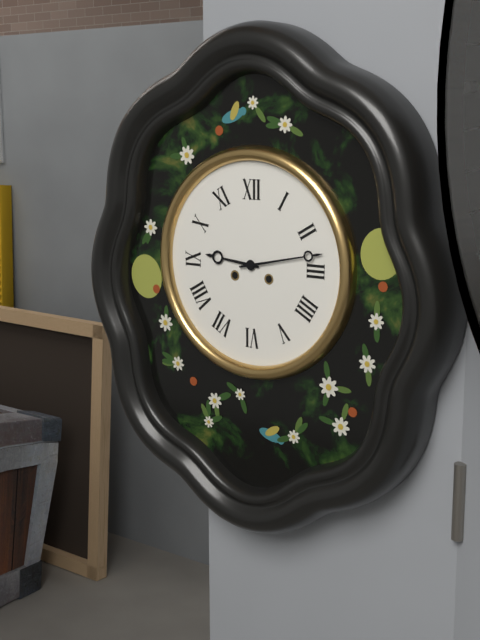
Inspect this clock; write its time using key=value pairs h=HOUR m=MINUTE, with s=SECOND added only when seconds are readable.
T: h=9 m=13
